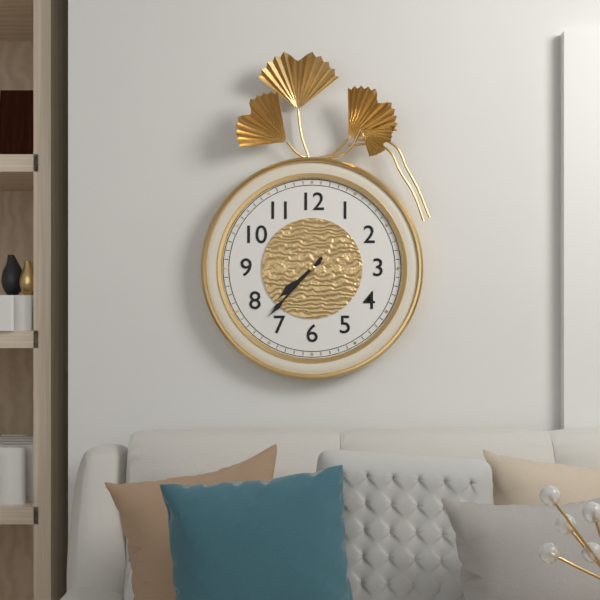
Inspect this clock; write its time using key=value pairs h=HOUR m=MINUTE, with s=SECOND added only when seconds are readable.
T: h=7 m=37
